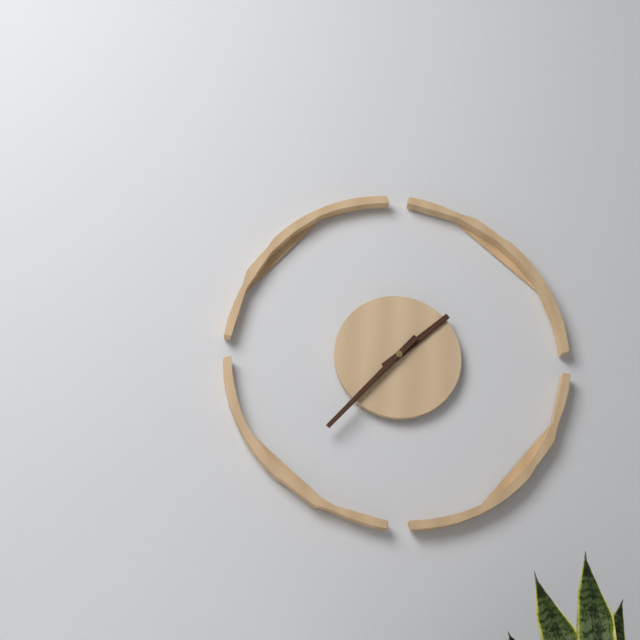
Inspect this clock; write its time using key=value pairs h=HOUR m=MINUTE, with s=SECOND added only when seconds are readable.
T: h=1 m=37
